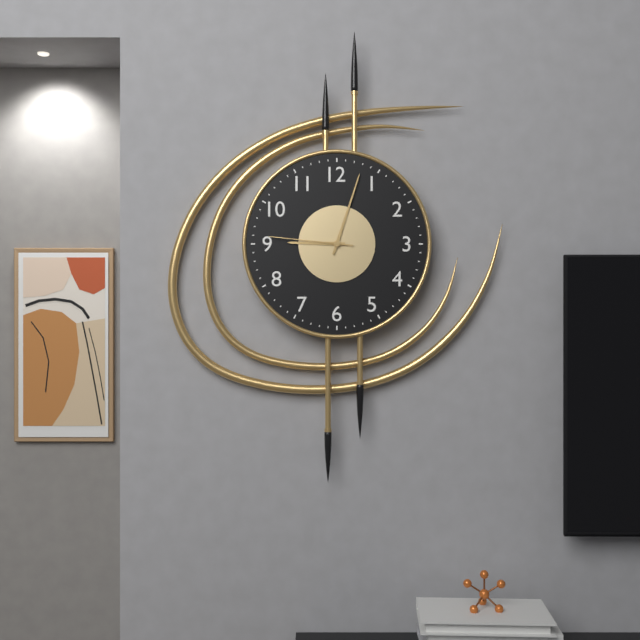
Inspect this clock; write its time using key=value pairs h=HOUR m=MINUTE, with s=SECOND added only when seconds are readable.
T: h=9 m=3 s=46
